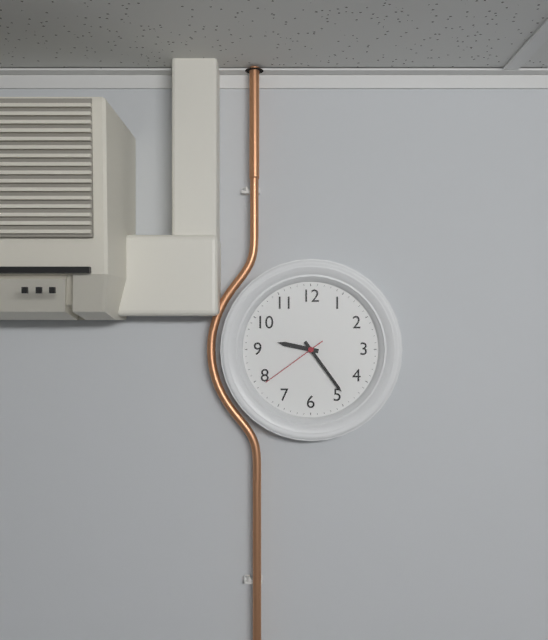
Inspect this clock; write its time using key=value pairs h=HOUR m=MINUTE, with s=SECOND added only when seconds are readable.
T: h=9 m=24 s=39
